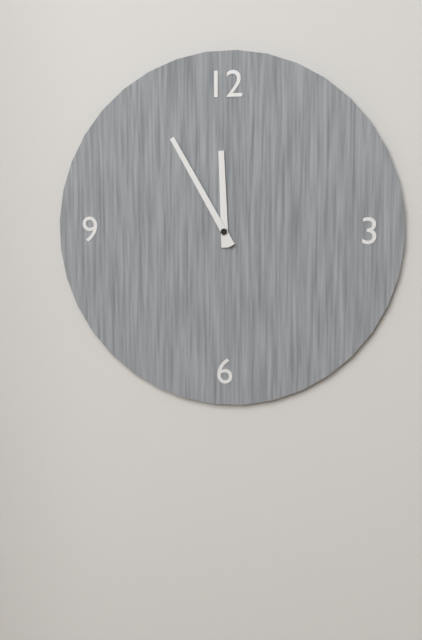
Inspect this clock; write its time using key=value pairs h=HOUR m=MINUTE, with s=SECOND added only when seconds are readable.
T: h=11 m=55
